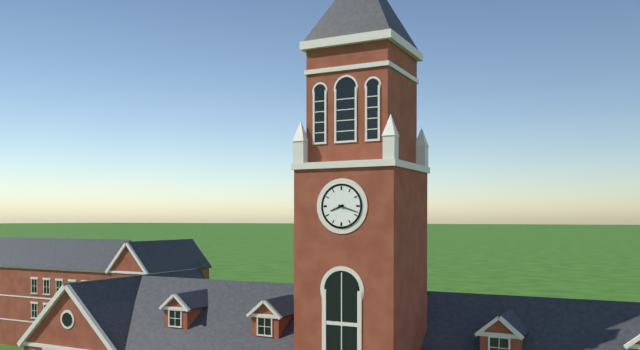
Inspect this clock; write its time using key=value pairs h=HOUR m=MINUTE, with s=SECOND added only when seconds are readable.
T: h=8 m=18
